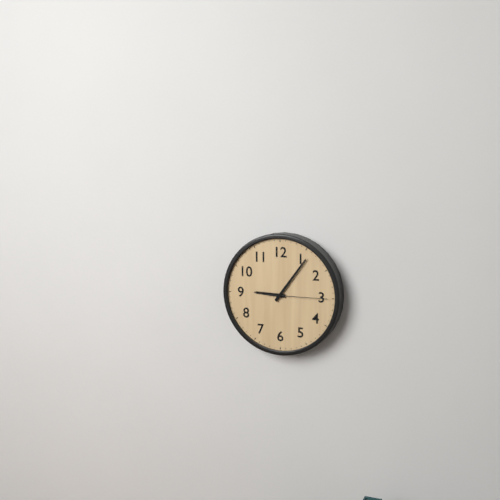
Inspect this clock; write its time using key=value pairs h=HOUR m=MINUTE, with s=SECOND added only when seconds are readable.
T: h=9 m=6 s=15
